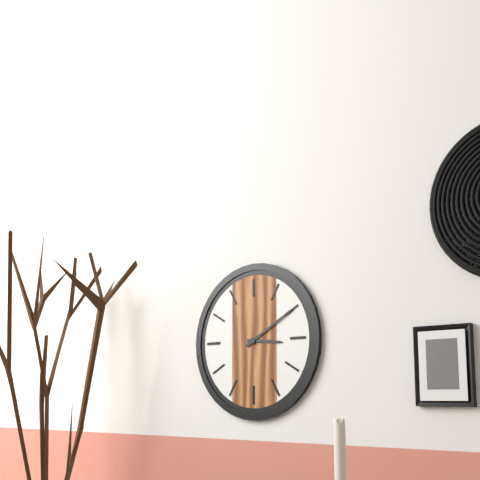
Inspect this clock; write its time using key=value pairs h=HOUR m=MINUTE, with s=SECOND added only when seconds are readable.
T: h=3 m=10
